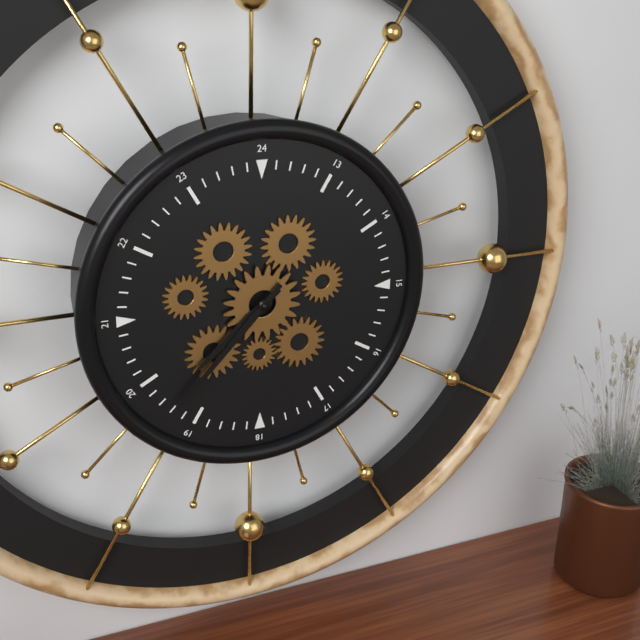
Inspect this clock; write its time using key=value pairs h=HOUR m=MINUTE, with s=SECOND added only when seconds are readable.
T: h=7 m=37
